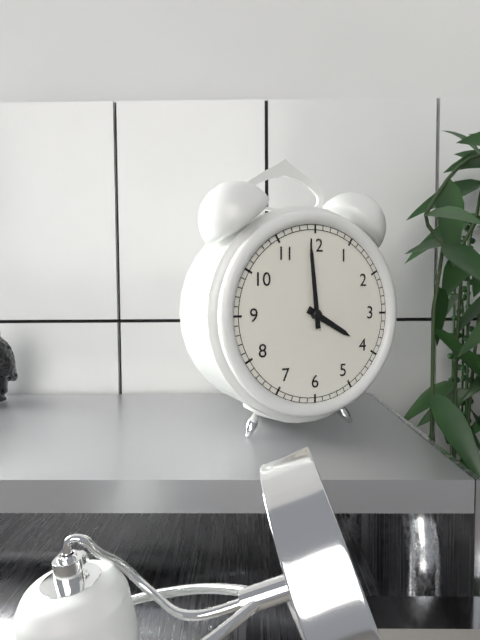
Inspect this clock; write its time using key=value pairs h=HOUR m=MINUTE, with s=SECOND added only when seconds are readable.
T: h=3 m=59
